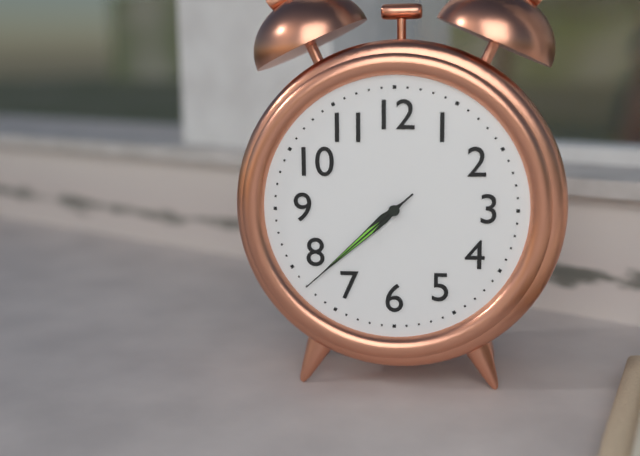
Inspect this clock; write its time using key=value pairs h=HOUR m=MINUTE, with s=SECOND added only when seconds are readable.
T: h=7 m=38 s=38
